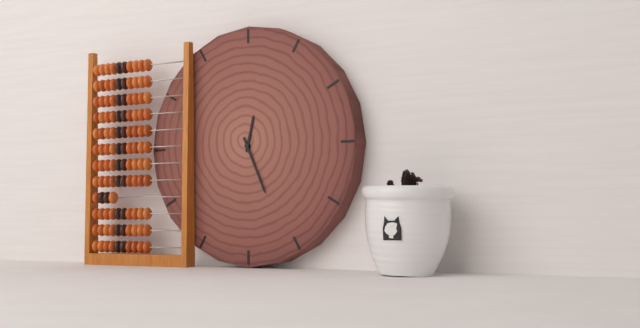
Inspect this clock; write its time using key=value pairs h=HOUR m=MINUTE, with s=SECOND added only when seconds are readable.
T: h=12 m=26
